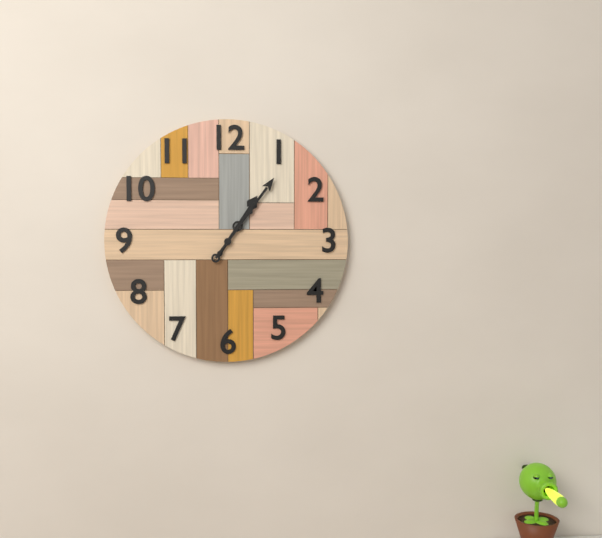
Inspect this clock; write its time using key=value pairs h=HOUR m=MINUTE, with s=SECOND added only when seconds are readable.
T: h=1 m=6
